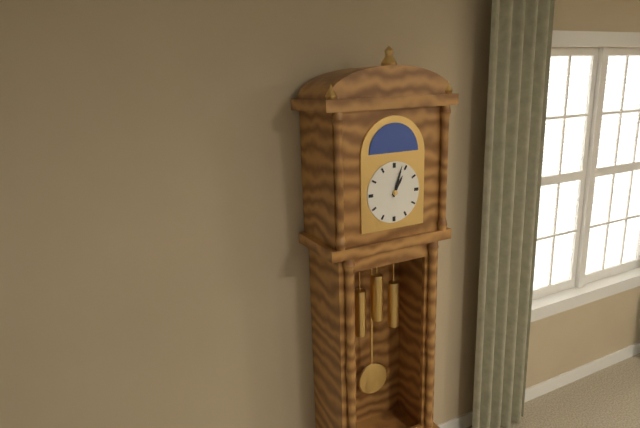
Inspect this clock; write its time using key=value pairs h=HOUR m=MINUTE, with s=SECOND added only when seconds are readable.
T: h=1 m=3
